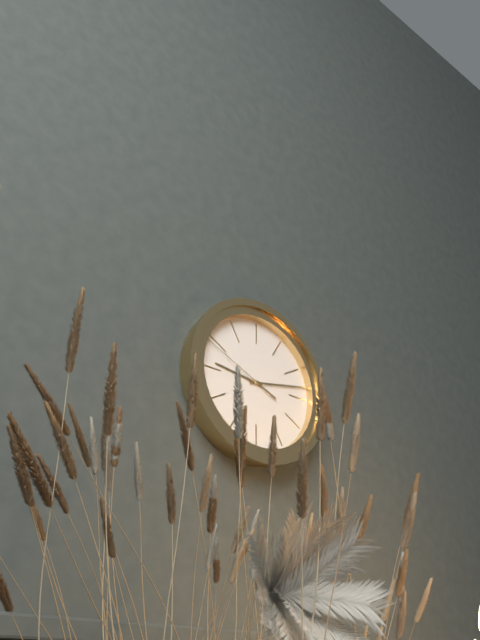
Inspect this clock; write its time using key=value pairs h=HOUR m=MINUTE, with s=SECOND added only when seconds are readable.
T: h=9 m=13 s=49
